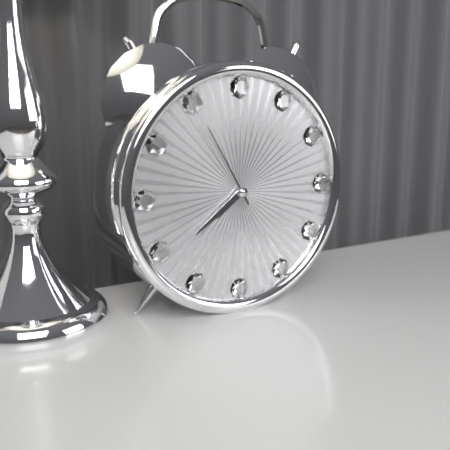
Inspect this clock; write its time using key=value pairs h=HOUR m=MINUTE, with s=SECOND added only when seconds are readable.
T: h=7 m=39 s=55
